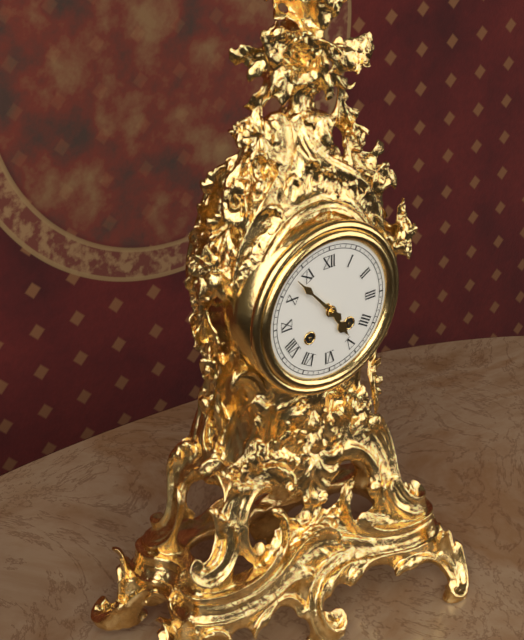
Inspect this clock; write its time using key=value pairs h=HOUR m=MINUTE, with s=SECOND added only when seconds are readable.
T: h=4 m=53
